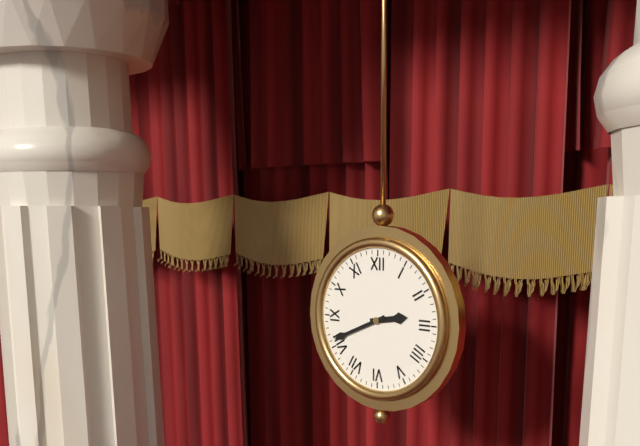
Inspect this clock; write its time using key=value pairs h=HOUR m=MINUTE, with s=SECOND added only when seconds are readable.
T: h=2 m=41
